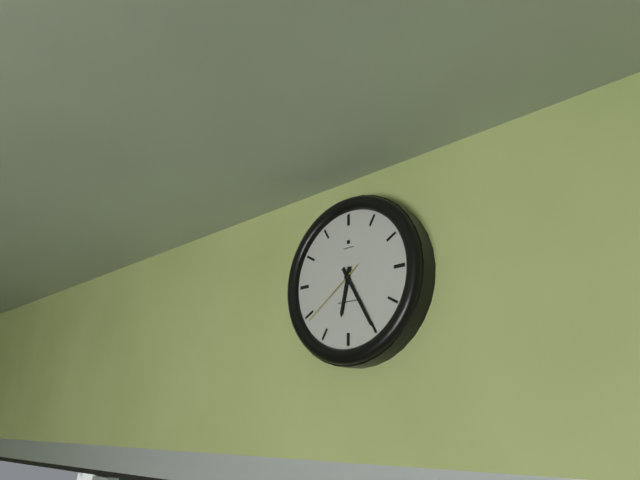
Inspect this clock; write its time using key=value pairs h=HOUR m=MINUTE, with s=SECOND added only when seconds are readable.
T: h=6 m=25 s=39
